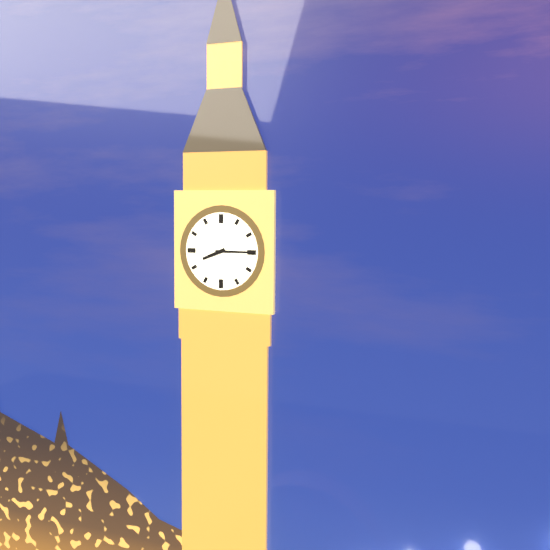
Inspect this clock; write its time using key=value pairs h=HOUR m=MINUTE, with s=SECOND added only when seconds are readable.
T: h=8 m=15
